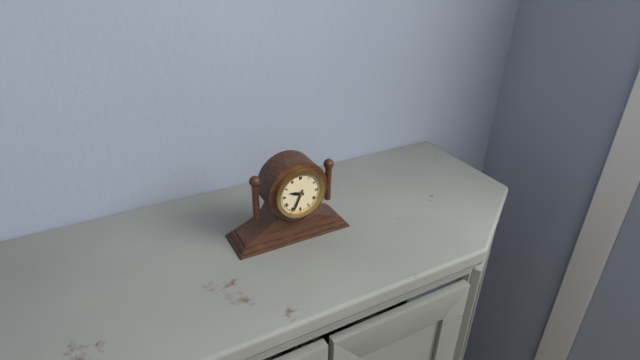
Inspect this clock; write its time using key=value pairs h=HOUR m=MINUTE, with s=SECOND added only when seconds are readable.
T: h=9 m=34
